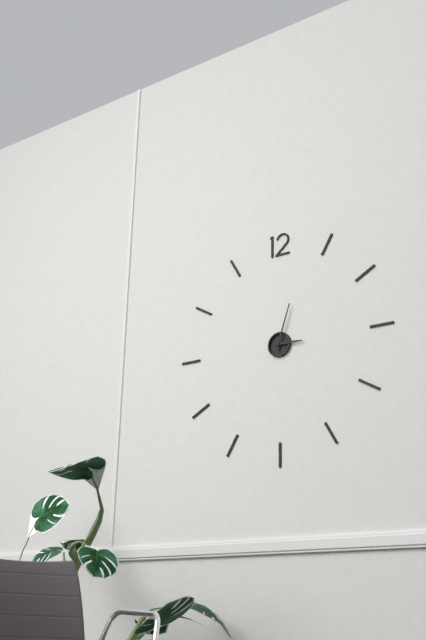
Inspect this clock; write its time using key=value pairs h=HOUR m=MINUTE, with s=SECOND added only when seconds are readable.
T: h=3 m=3
